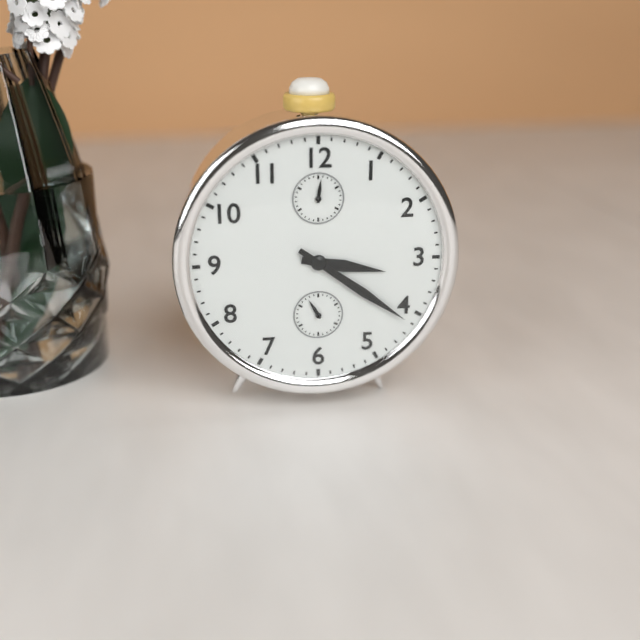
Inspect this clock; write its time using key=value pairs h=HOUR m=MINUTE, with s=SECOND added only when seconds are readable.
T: h=3 m=21
